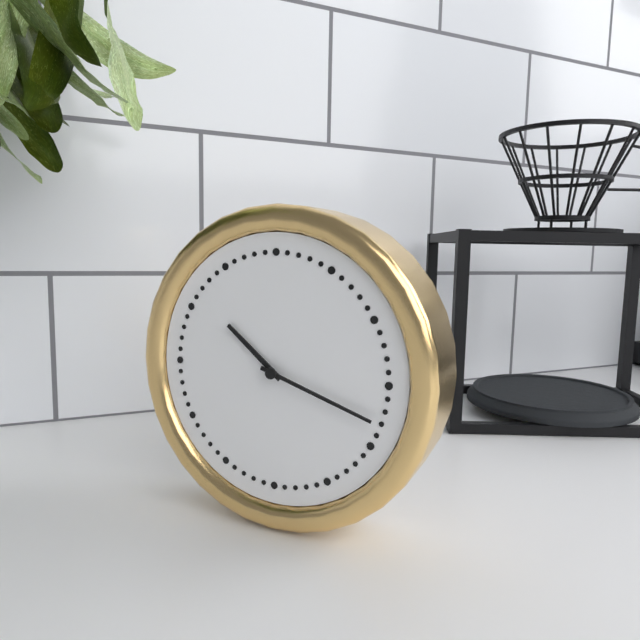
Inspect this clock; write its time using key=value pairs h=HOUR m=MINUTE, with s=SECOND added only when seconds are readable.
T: h=10 m=18
